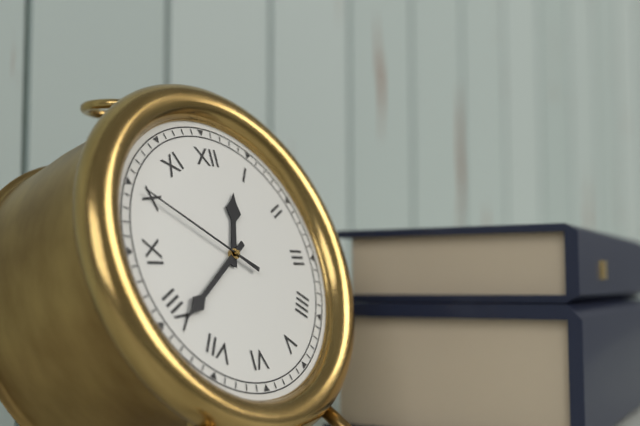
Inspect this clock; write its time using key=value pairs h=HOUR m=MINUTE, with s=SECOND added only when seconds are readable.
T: h=12 m=39 s=50
